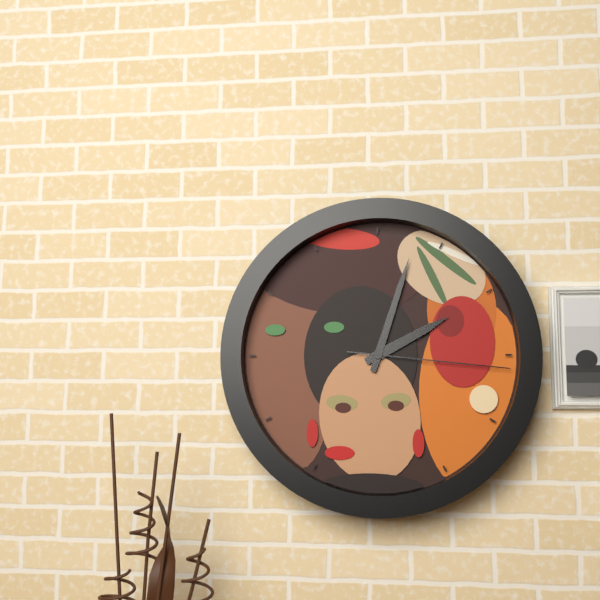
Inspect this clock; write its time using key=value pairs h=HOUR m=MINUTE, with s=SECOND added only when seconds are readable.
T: h=2 m=3 s=16
